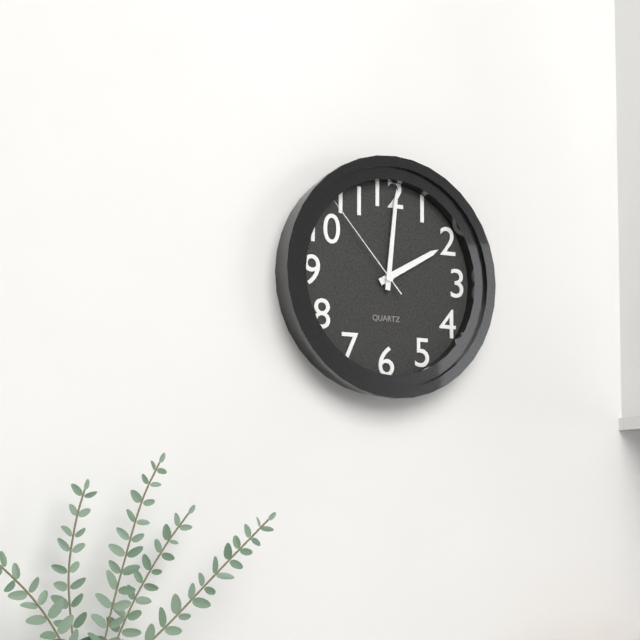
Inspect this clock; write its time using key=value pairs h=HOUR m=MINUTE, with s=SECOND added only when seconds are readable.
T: h=2 m=1 s=53
